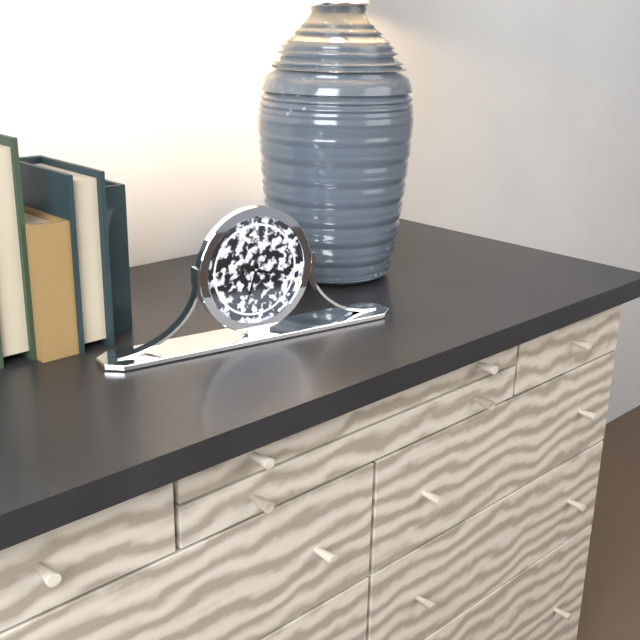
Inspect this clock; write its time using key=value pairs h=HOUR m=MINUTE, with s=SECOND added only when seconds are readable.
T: h=3 m=33
